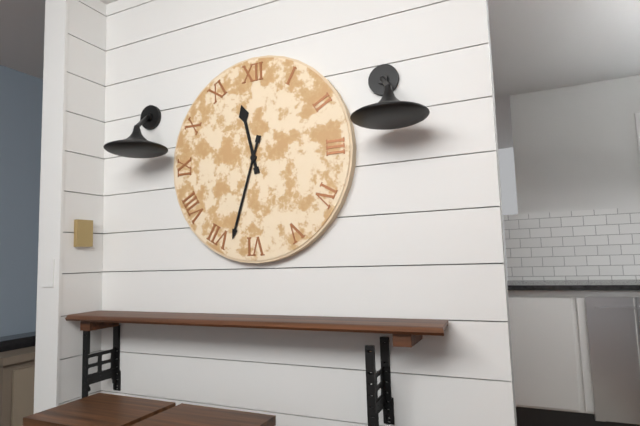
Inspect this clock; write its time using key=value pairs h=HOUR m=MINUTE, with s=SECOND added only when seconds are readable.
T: h=11 m=33
